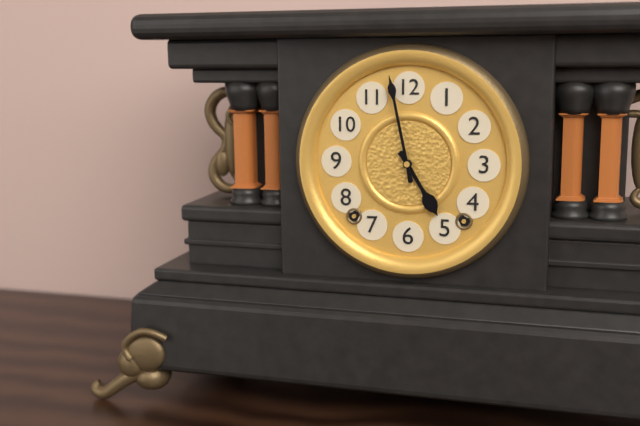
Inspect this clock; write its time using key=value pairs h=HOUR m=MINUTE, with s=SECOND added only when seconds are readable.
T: h=4 m=58
